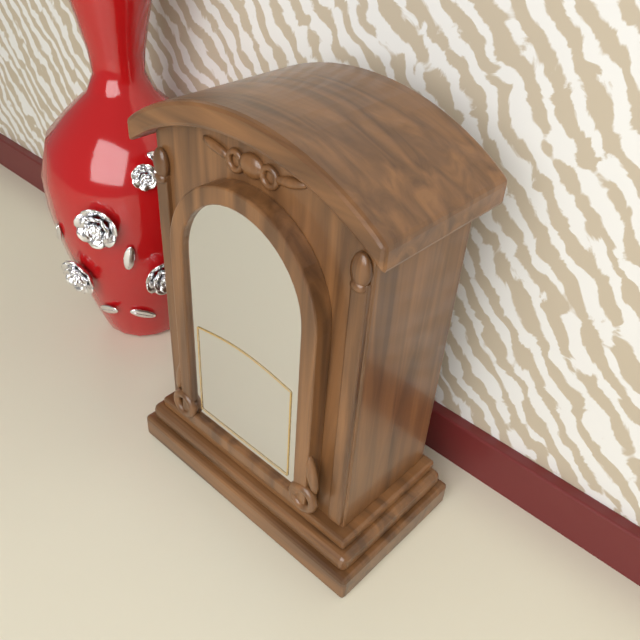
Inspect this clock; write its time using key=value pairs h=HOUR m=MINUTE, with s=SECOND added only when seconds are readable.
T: h=10 m=28
